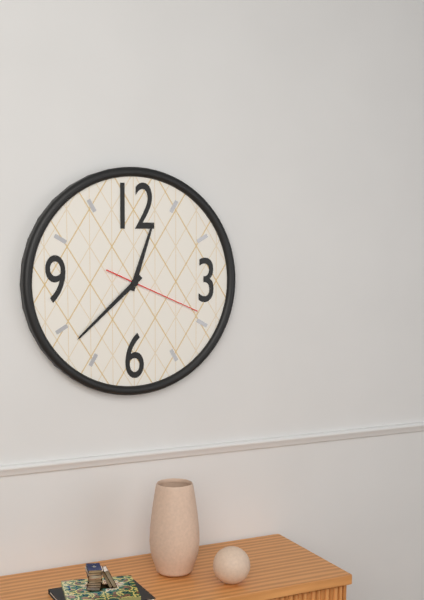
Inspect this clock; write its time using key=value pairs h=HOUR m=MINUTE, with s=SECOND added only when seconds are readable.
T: h=12 m=38 s=19
